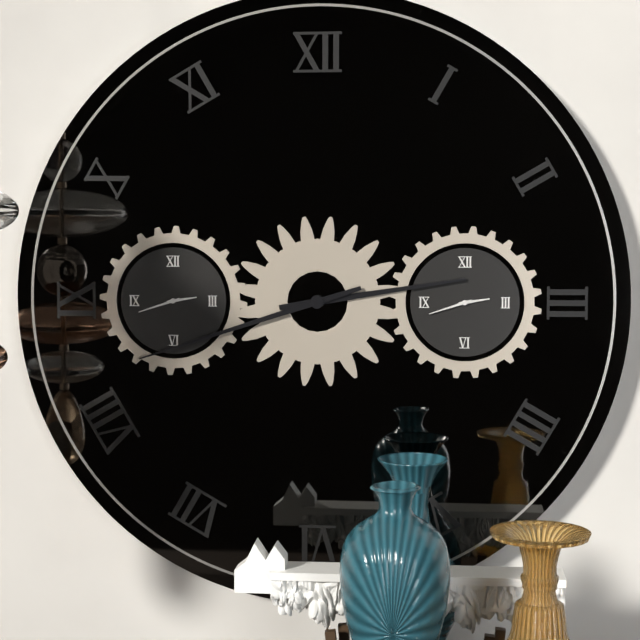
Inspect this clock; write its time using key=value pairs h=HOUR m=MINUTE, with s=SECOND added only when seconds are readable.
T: h=2 m=42
